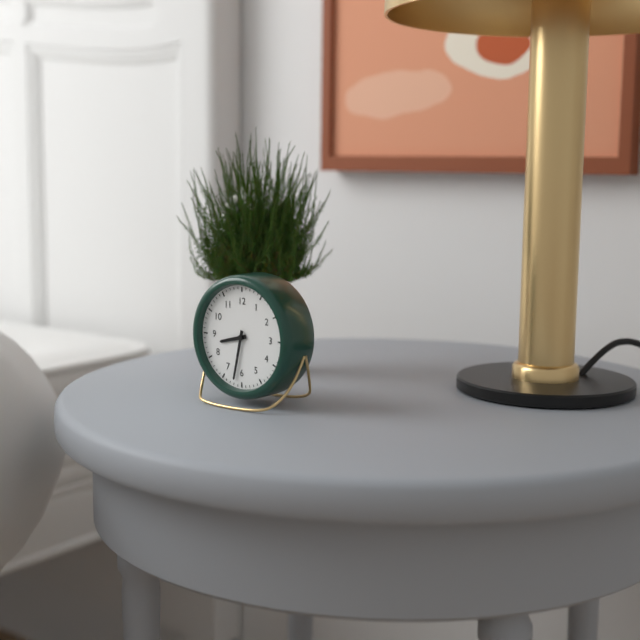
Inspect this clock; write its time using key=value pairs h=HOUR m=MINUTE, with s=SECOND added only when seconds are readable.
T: h=8 m=32
